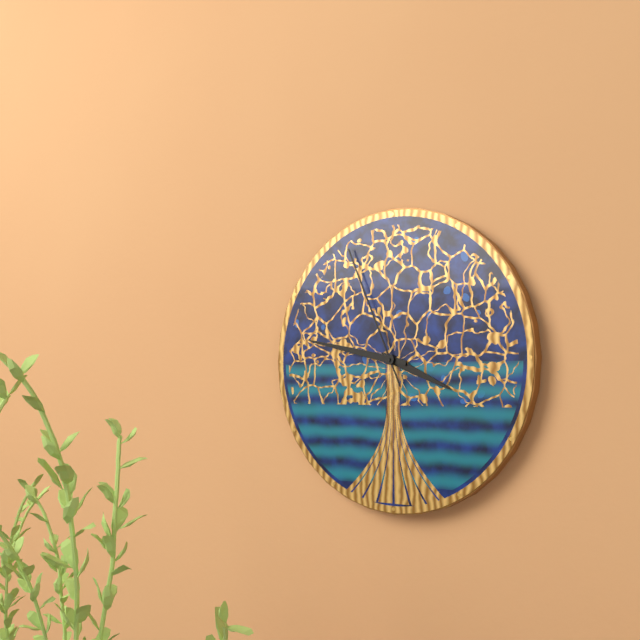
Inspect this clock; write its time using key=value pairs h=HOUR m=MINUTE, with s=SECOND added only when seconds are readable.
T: h=3 m=47 s=56
